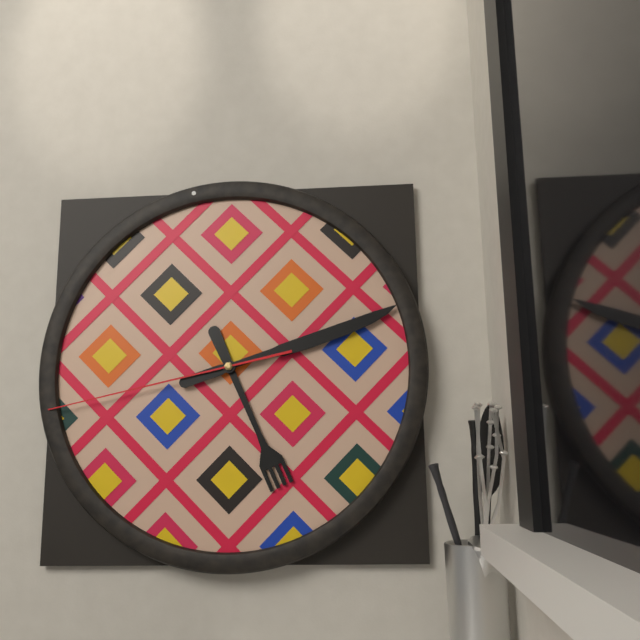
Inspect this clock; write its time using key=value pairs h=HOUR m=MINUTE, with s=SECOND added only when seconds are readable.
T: h=5 m=12 s=43
